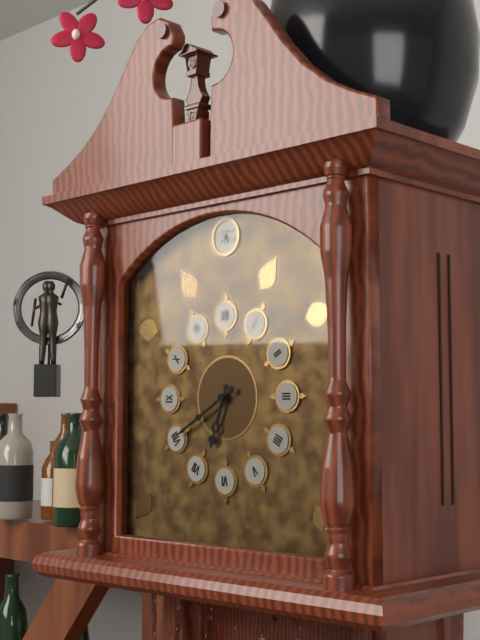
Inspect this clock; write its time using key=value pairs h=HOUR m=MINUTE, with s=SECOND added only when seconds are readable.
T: h=6 m=40
